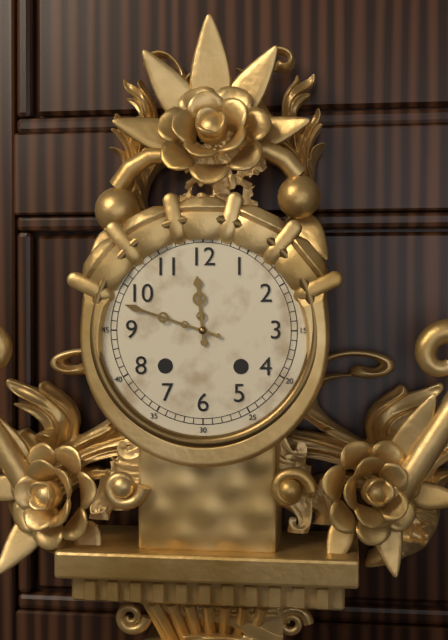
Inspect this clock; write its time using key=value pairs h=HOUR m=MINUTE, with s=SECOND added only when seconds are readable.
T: h=11 m=48
